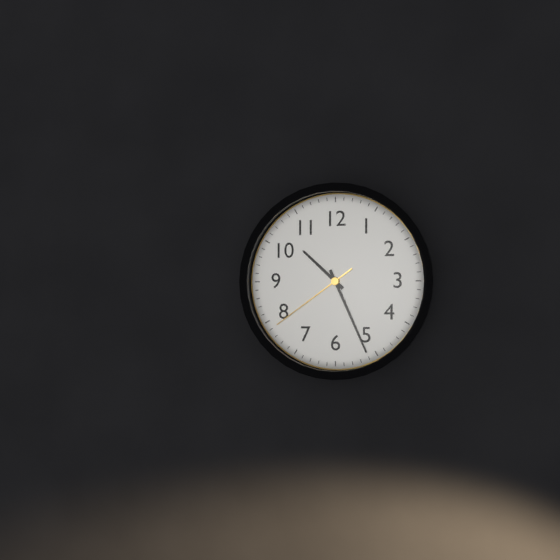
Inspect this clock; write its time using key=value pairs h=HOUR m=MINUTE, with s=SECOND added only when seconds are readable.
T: h=10 m=26 s=39
